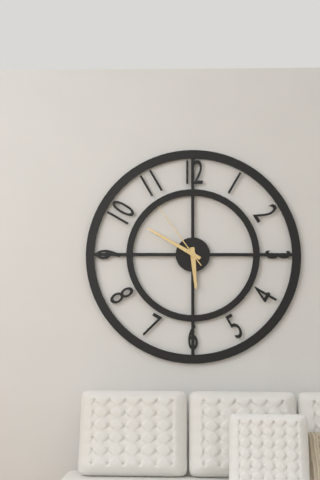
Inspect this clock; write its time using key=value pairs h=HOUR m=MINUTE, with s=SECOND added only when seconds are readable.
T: h=5 m=50 s=54
